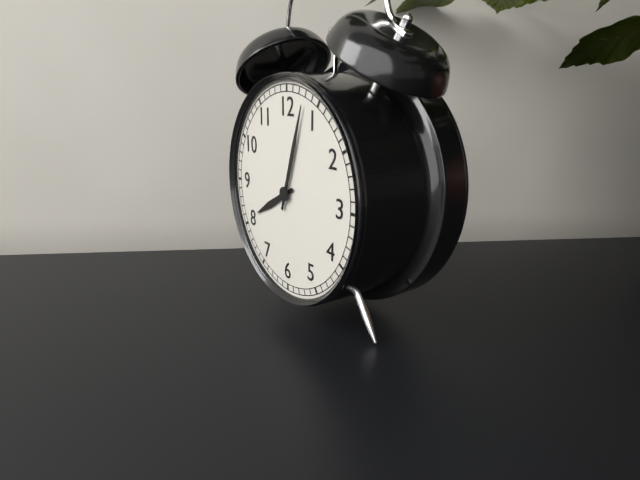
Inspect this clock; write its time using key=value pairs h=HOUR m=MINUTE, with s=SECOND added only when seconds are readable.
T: h=8 m=3
